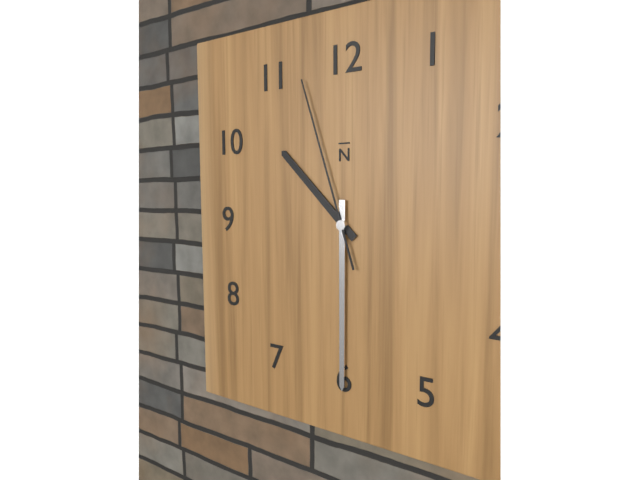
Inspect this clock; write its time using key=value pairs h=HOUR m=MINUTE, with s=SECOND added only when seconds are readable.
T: h=10 m=30 s=57
